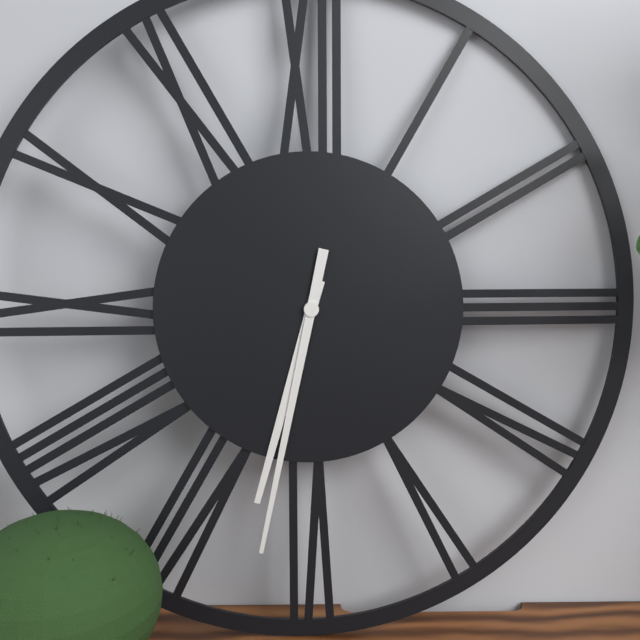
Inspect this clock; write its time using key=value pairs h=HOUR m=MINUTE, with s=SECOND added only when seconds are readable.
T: h=6 m=32
